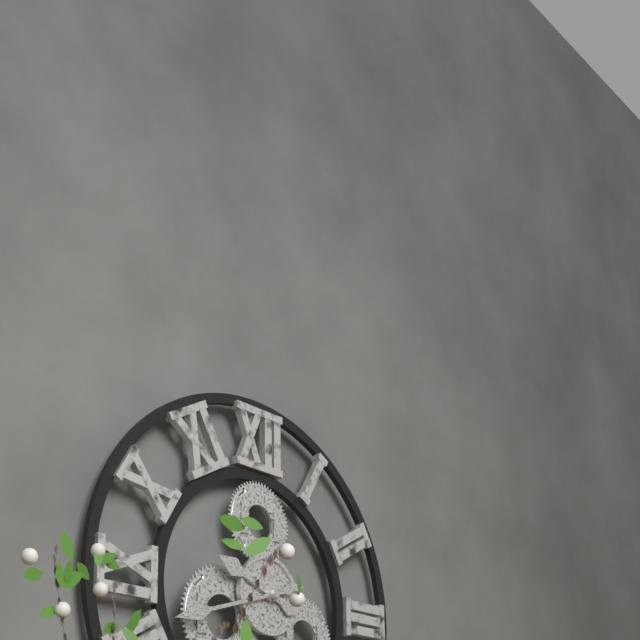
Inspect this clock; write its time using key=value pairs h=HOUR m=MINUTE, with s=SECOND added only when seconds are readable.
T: h=9 m=42
